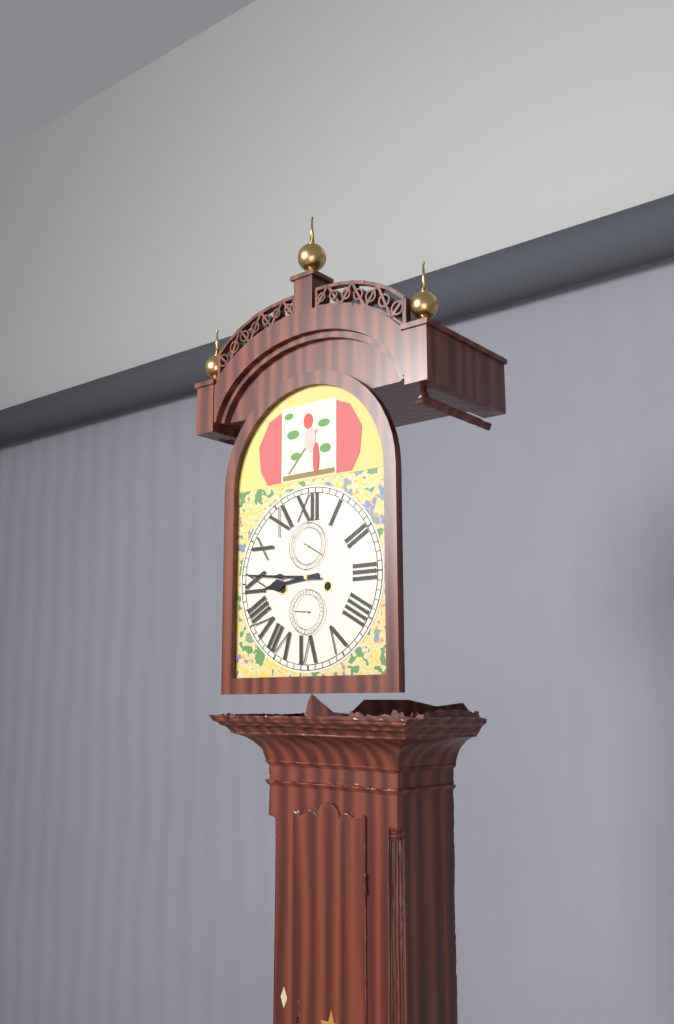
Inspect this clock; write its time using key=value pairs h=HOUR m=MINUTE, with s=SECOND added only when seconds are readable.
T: h=8 m=46
